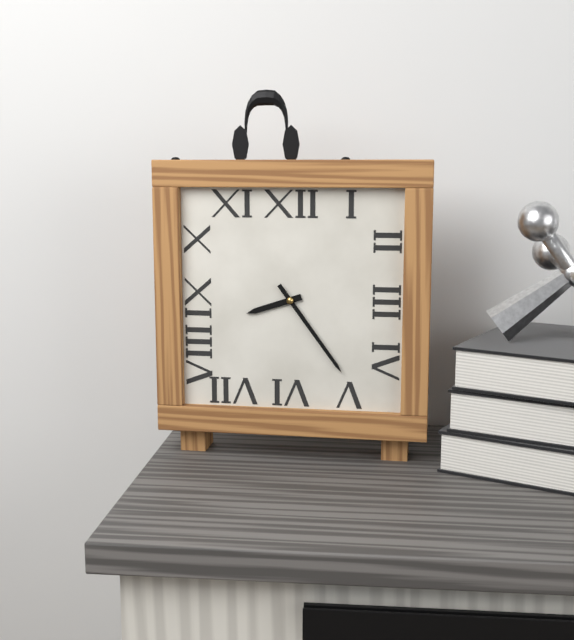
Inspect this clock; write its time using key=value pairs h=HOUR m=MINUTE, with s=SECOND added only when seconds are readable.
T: h=8 m=24
